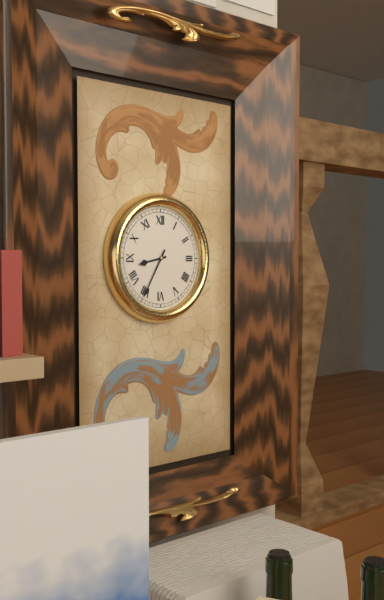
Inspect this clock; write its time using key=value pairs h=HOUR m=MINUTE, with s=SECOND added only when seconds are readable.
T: h=8 m=35
